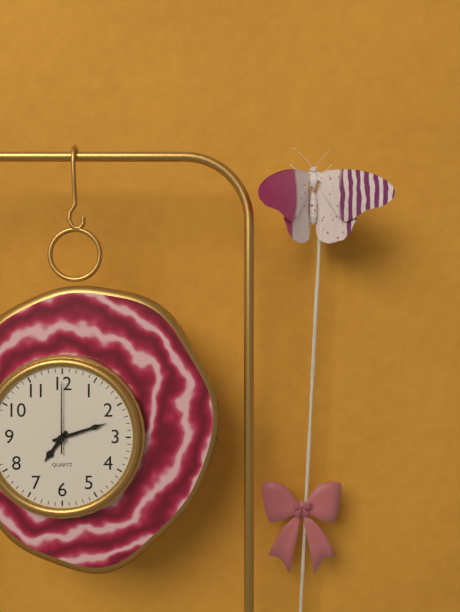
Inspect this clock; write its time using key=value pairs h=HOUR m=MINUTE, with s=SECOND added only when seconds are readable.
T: h=7 m=12 s=0
